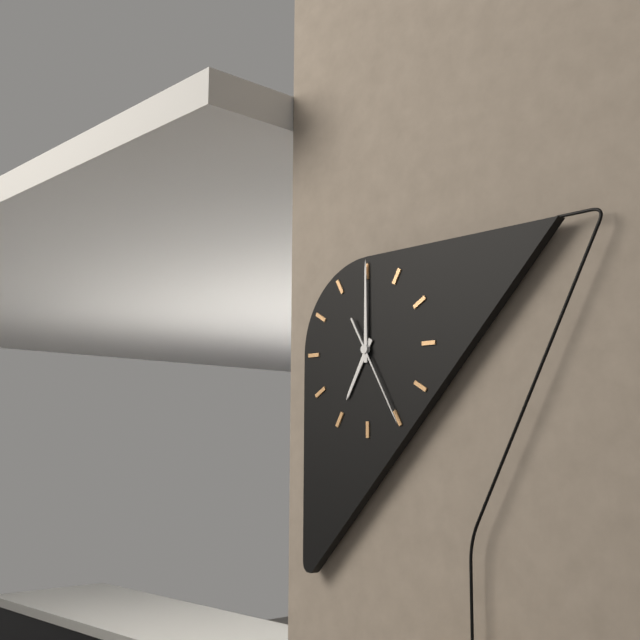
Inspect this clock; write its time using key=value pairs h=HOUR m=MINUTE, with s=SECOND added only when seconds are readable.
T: h=7 m=0 s=25
